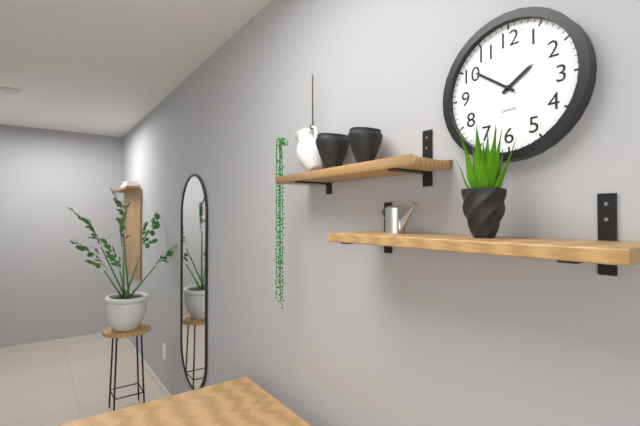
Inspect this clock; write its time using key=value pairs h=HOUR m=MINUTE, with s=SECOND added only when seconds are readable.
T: h=1 m=51
